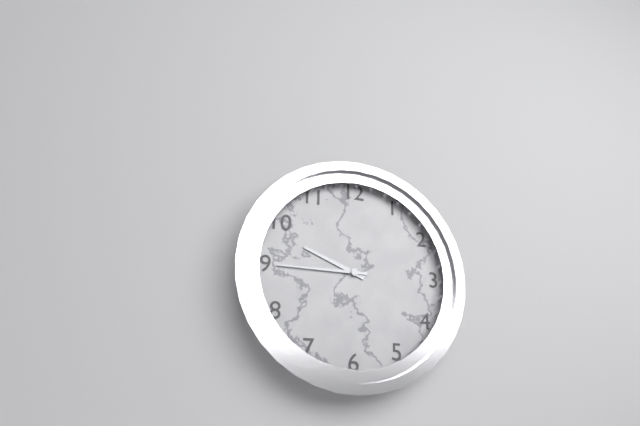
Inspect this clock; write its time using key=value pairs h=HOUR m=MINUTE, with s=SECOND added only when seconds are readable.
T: h=9 m=45
